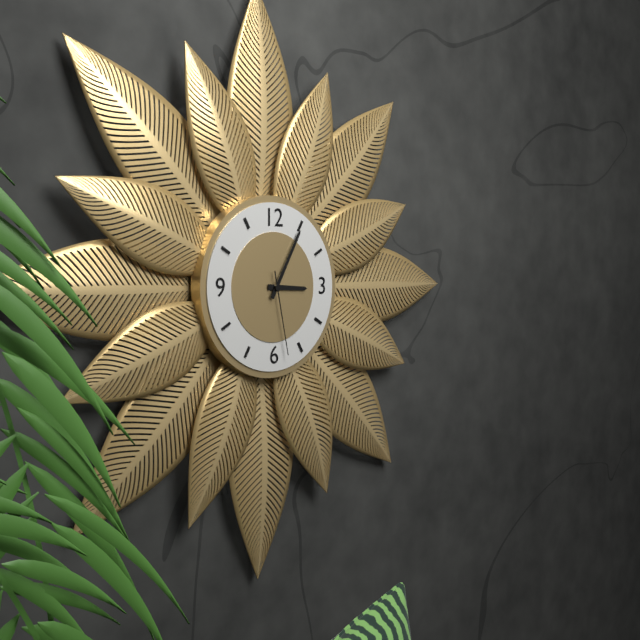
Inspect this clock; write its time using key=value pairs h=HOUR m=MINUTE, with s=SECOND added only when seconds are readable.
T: h=3 m=5 s=28
